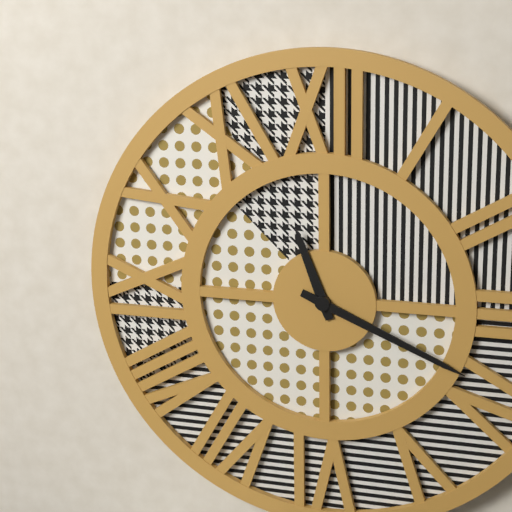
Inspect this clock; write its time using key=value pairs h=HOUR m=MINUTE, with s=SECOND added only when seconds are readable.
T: h=11 m=19
